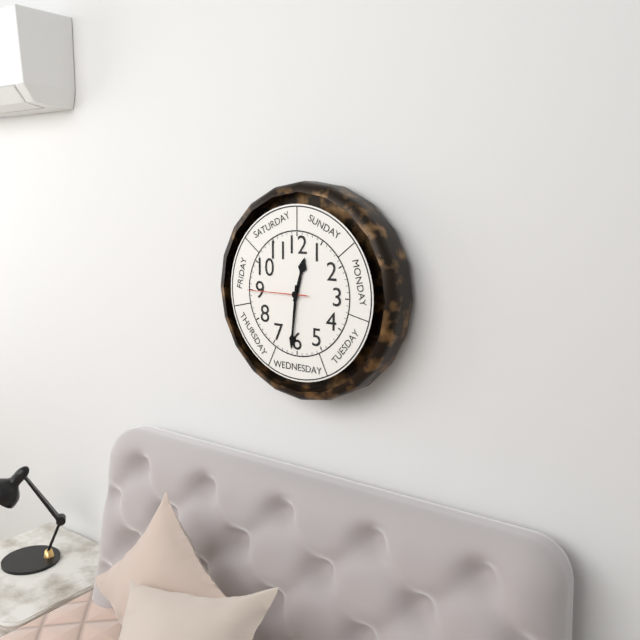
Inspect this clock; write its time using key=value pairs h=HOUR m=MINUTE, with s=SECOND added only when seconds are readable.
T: h=12 m=31 s=45
